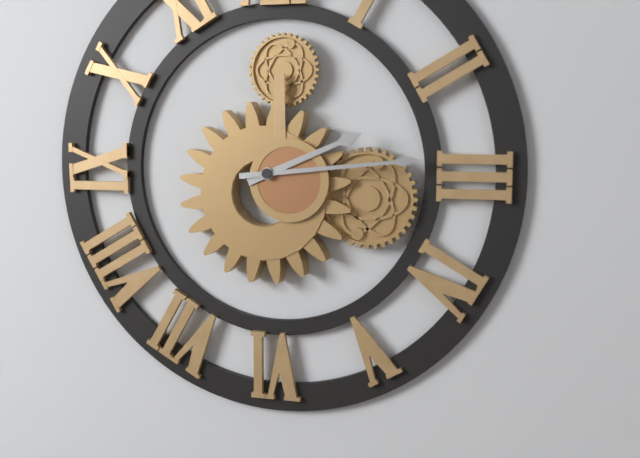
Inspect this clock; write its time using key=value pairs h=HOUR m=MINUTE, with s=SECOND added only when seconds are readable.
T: h=2 m=14
